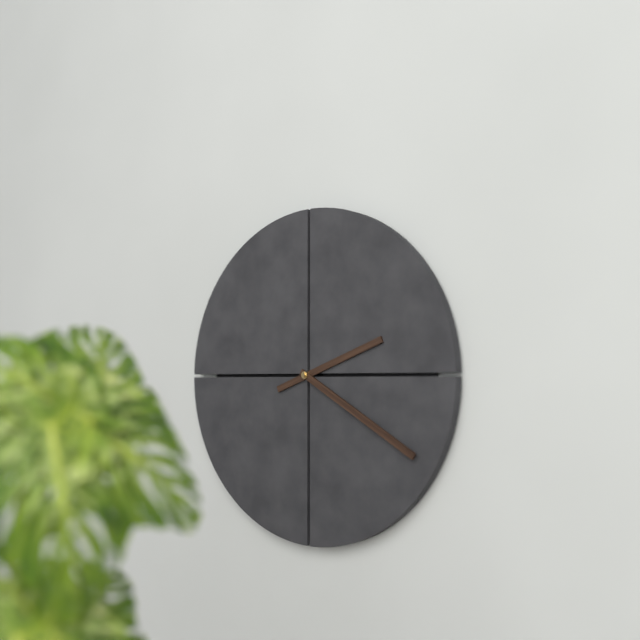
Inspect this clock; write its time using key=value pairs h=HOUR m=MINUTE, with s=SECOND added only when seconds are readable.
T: h=2 m=20
